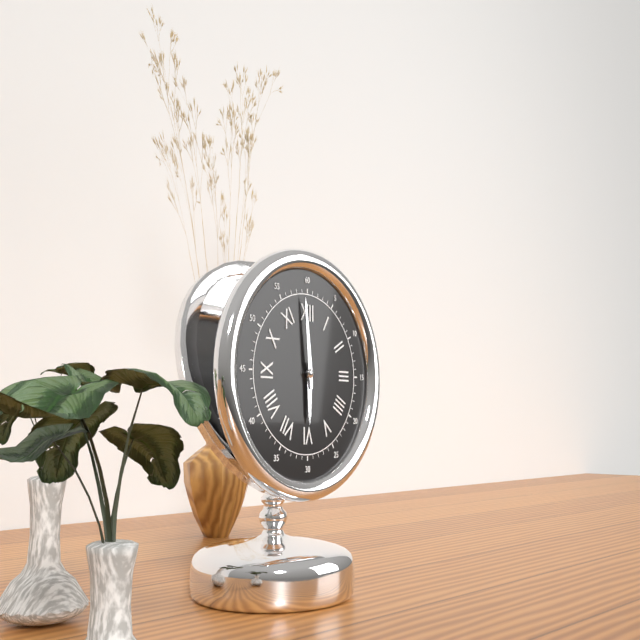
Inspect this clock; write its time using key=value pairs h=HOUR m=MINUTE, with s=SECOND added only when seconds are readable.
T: h=5 m=59
